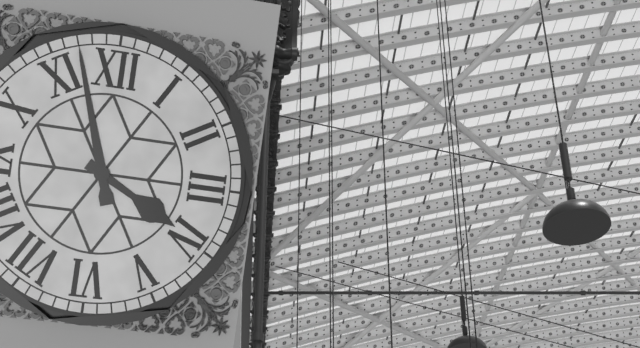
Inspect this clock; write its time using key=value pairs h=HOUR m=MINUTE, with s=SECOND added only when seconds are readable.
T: h=3 m=57
